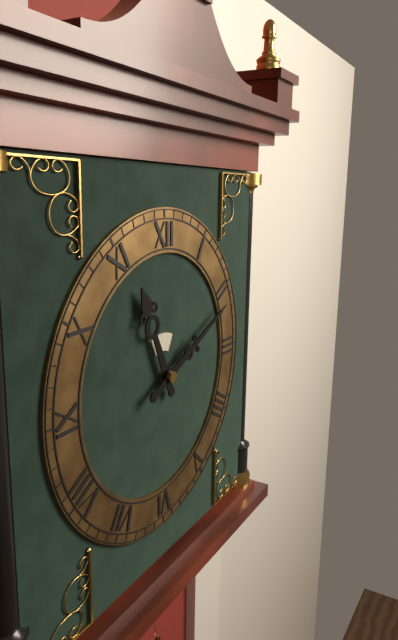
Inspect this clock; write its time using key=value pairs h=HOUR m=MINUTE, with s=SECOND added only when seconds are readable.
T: h=11 m=11
